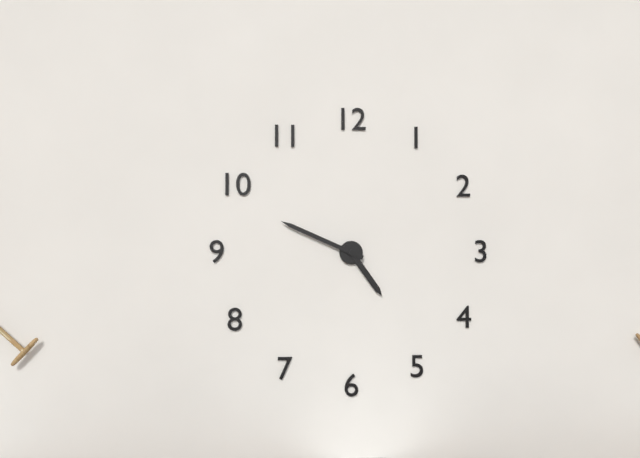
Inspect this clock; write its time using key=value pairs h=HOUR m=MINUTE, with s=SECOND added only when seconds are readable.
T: h=4 m=49
